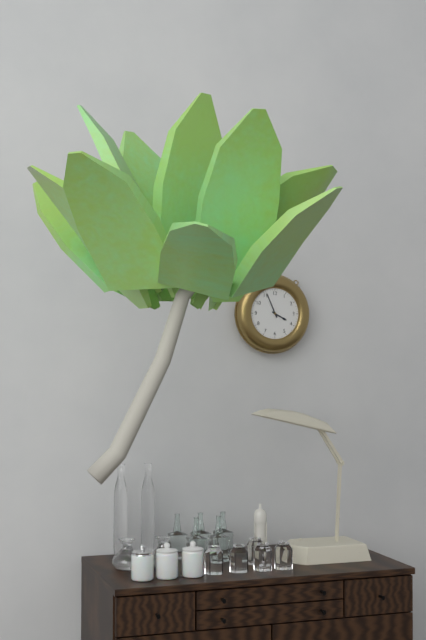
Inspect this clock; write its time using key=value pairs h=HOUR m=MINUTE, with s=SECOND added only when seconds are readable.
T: h=3 m=56
